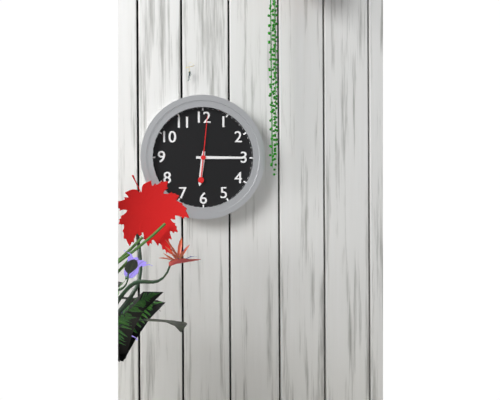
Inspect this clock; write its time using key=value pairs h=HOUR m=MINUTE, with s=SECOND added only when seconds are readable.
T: h=6 m=15 s=1
